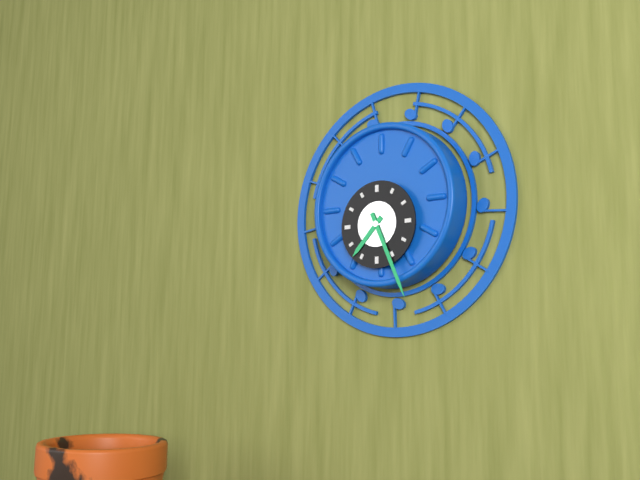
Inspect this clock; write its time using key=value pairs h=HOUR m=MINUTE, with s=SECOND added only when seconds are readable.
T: h=7 m=26
